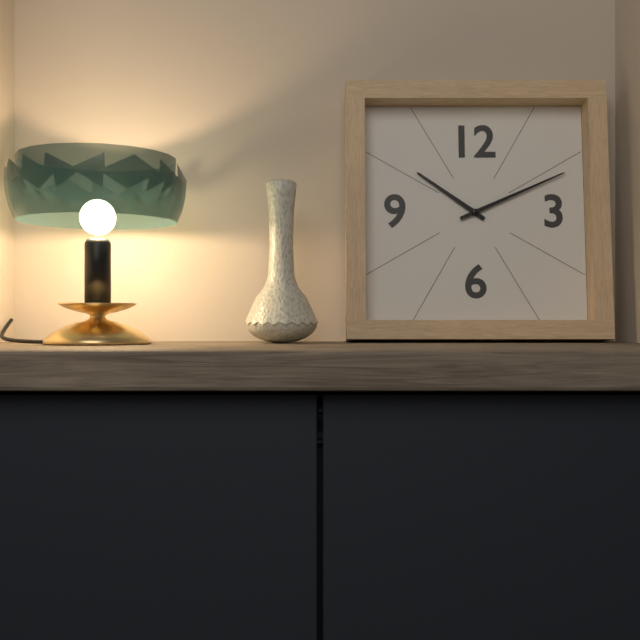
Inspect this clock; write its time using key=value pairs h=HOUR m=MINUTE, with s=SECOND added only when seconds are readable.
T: h=10 m=11
